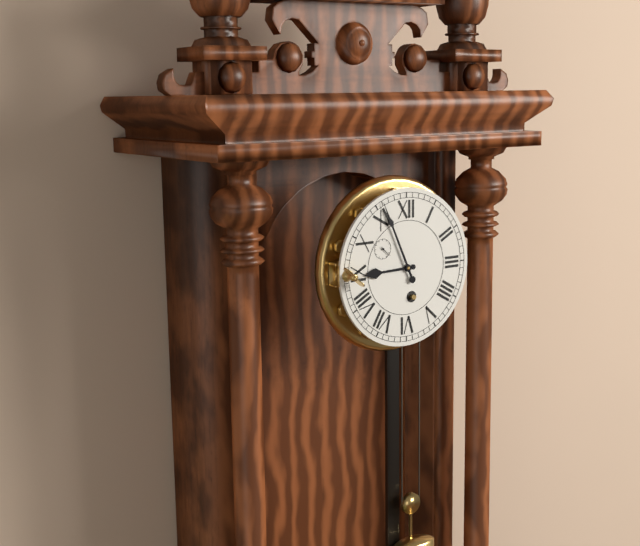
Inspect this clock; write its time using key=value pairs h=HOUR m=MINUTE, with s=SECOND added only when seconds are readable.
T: h=8 m=56
